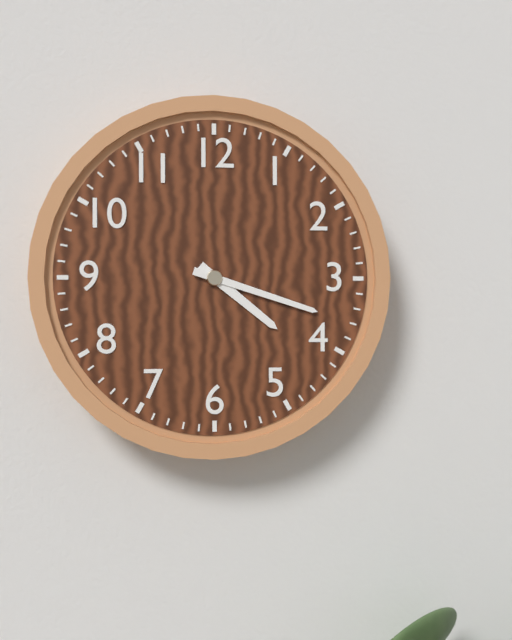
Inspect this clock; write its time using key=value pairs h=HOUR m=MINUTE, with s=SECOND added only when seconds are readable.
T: h=4 m=18
